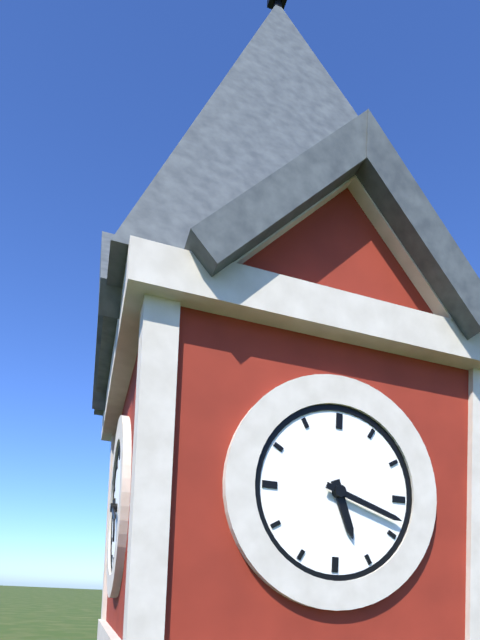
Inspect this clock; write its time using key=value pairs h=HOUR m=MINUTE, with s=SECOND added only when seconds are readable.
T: h=5 m=18
